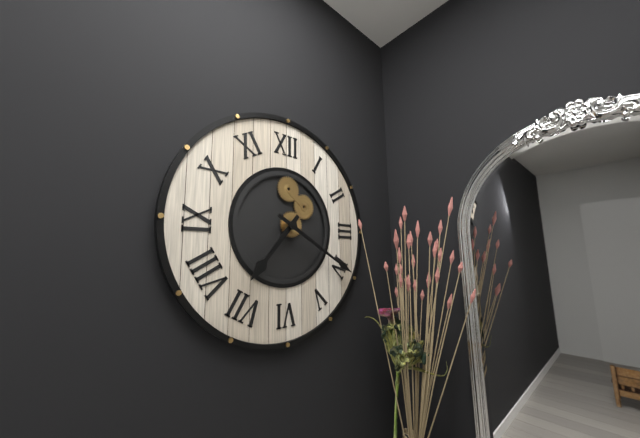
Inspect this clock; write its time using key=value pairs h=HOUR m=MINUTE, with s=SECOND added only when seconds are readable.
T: h=7 m=20
